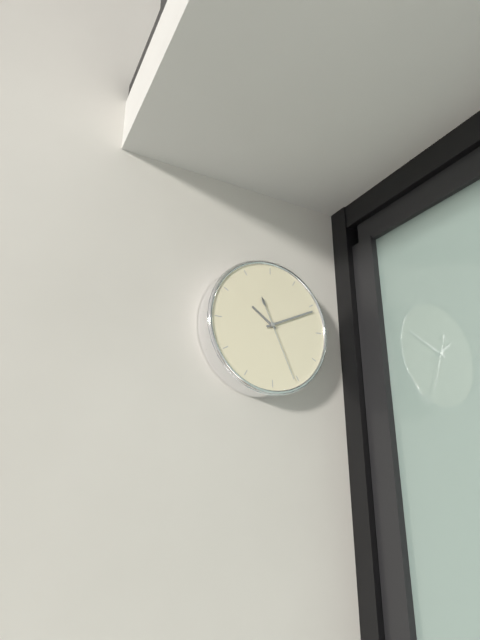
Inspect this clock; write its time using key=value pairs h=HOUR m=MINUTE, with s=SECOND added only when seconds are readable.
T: h=10 m=11 s=26
